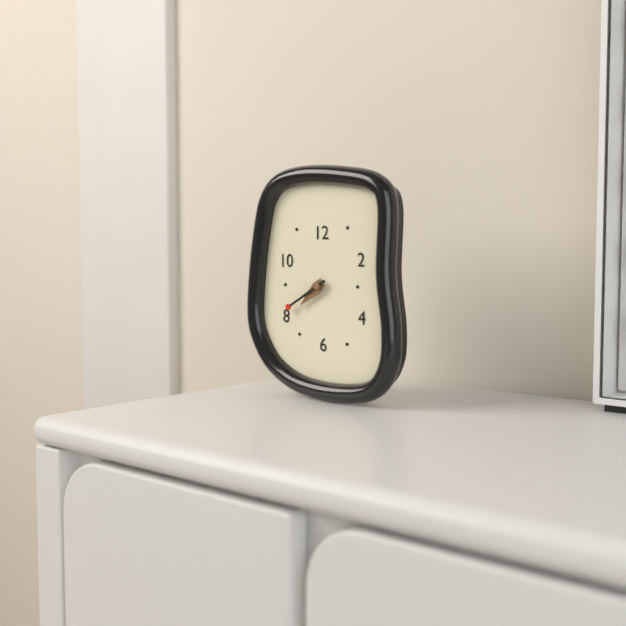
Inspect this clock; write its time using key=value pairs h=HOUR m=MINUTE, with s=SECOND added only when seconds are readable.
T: h=7 m=40
